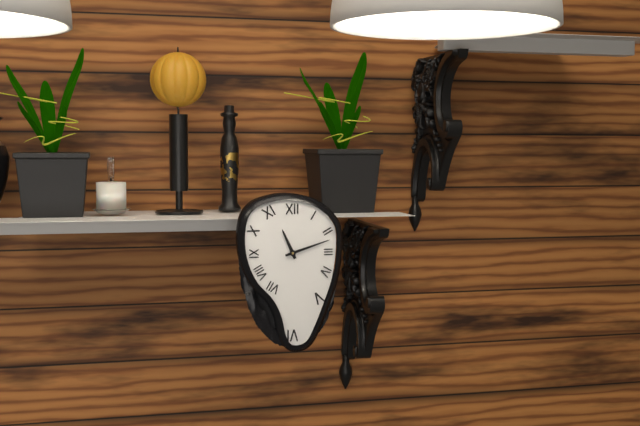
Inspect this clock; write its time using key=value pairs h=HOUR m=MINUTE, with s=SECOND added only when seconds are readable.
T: h=11 m=12
